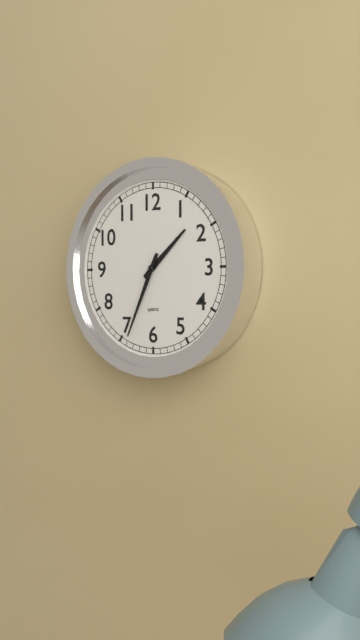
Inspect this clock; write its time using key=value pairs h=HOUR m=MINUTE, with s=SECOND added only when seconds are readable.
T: h=1 m=34
